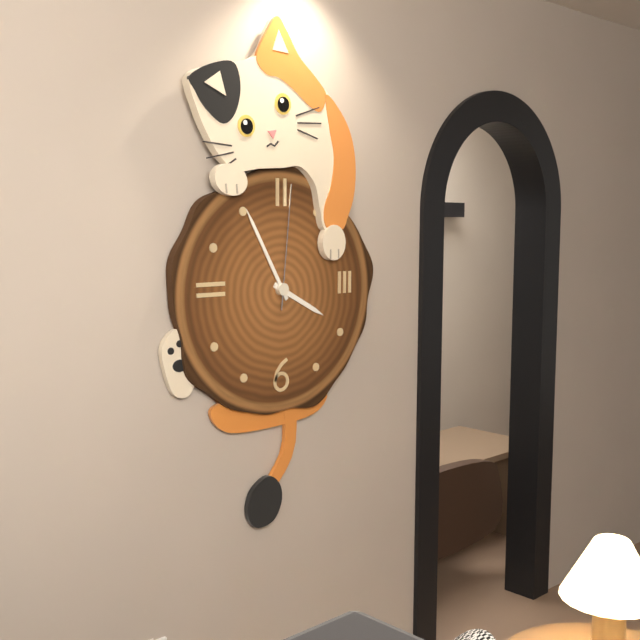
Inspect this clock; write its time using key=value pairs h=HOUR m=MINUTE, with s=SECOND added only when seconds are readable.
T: h=3 m=55 s=1
